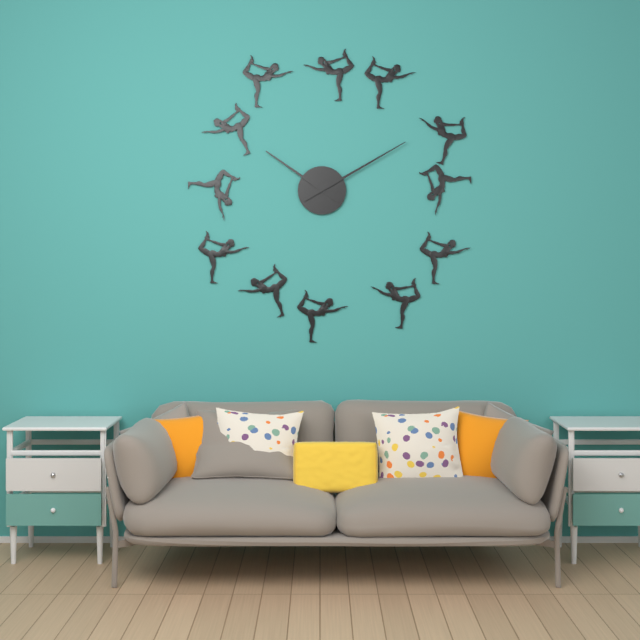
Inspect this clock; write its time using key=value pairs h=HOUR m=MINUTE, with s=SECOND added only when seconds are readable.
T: h=10 m=10
